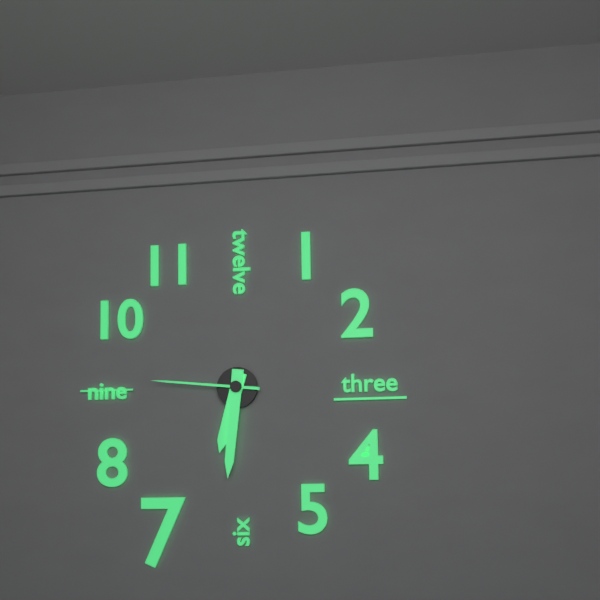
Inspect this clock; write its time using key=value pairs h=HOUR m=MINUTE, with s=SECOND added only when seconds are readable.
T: h=6 m=31 s=46
